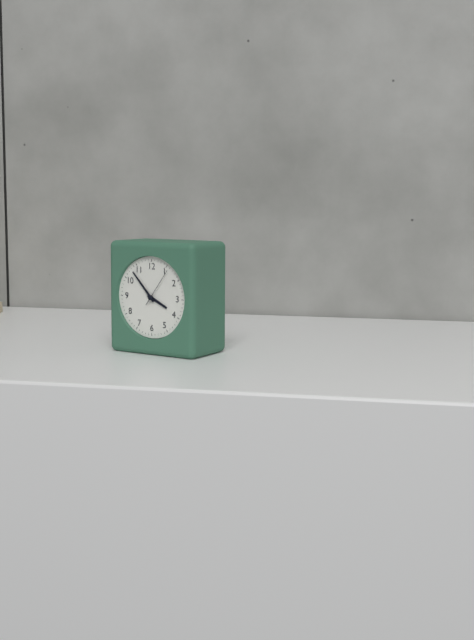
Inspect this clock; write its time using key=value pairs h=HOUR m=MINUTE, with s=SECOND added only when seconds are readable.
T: h=3 m=53
